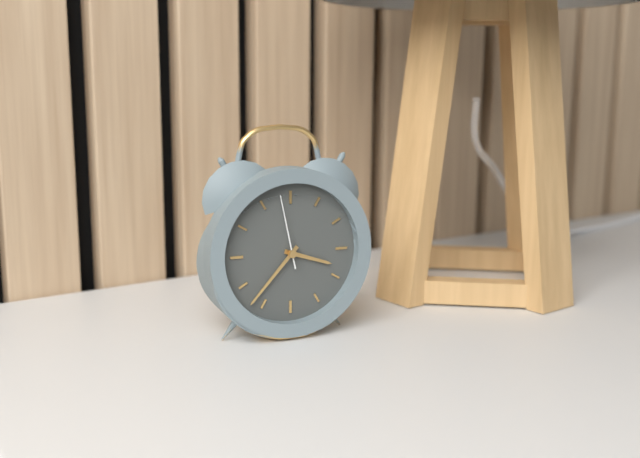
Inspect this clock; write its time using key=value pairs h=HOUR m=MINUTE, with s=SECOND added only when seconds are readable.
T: h=3 m=37 s=58
